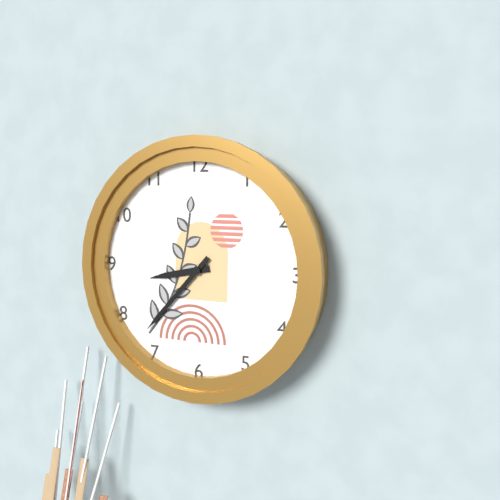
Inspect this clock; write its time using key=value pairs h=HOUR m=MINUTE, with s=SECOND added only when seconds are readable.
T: h=8 m=37
